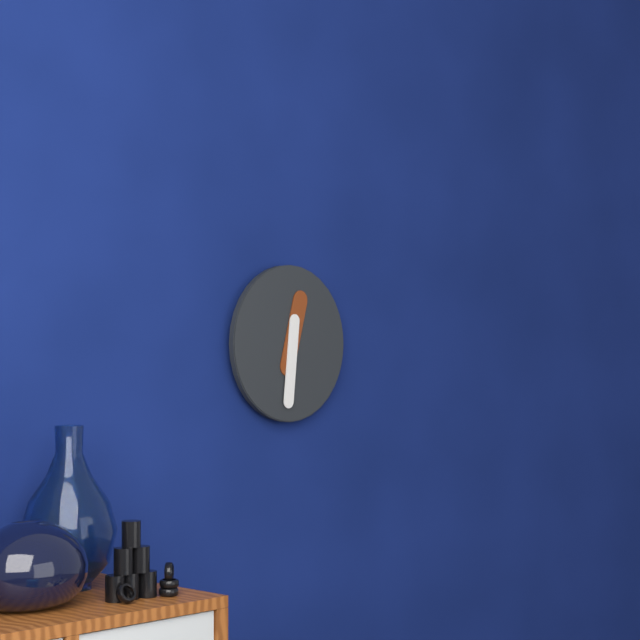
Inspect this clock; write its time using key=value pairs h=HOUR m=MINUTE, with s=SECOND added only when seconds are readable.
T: h=12 m=31
